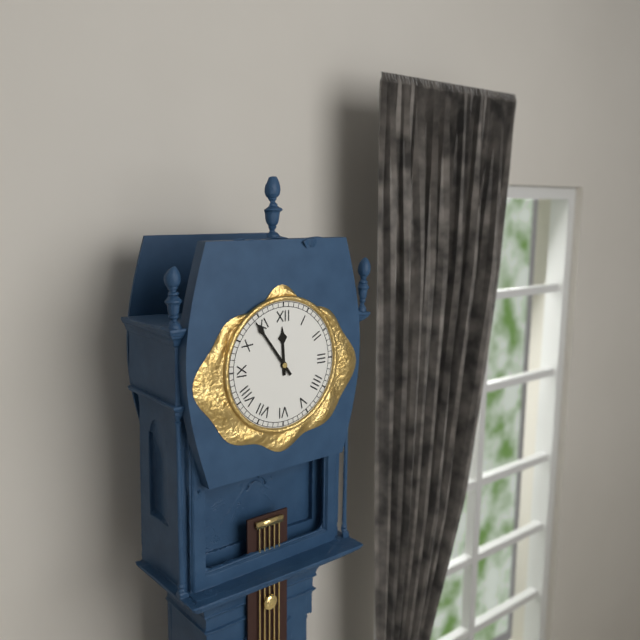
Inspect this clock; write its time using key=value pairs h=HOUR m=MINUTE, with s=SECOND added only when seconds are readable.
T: h=11 m=54
